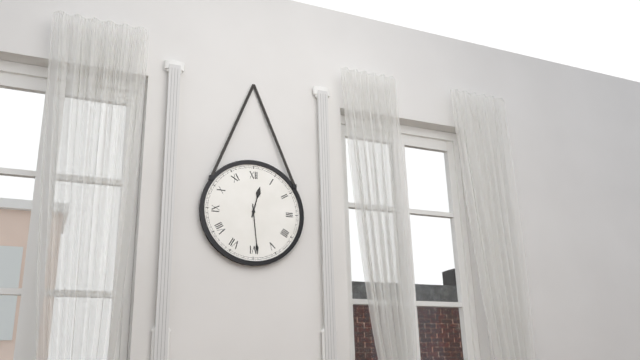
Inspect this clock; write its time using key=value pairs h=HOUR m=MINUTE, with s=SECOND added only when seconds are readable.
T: h=12 m=29
